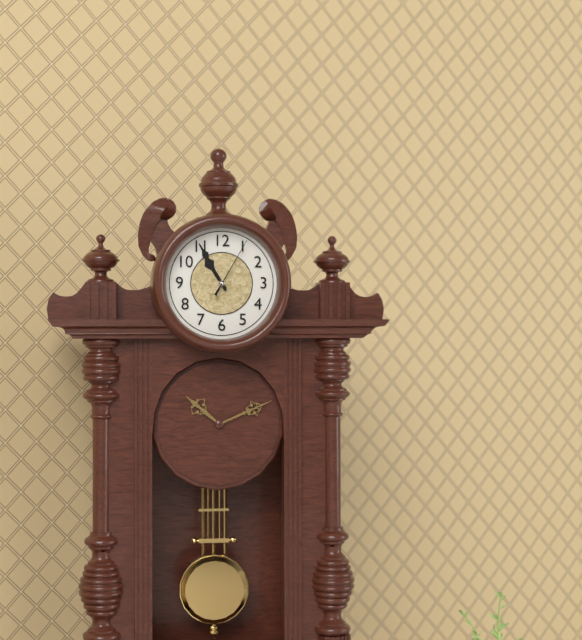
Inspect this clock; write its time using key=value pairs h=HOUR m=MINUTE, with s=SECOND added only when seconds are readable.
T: h=10 m=55 s=5
